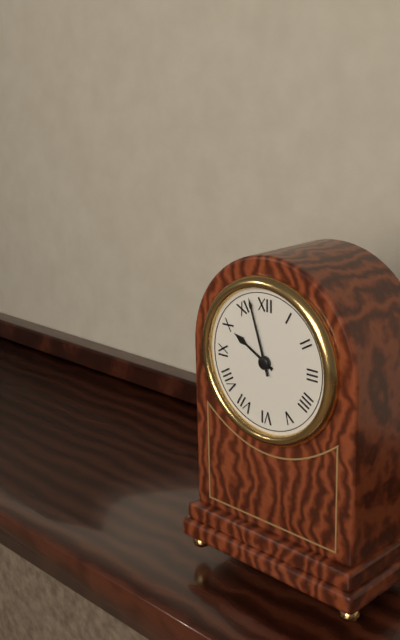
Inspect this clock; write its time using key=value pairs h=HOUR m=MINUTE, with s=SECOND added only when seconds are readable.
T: h=9 m=57
